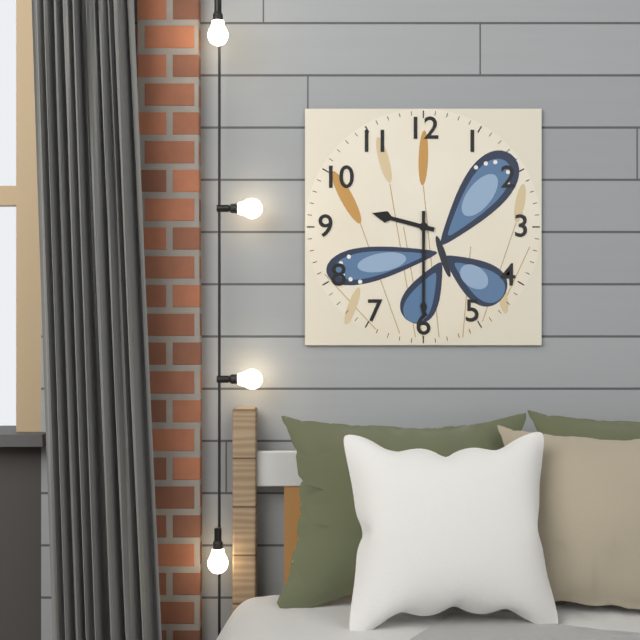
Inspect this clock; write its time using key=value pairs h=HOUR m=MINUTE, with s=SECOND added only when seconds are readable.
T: h=9 m=30
